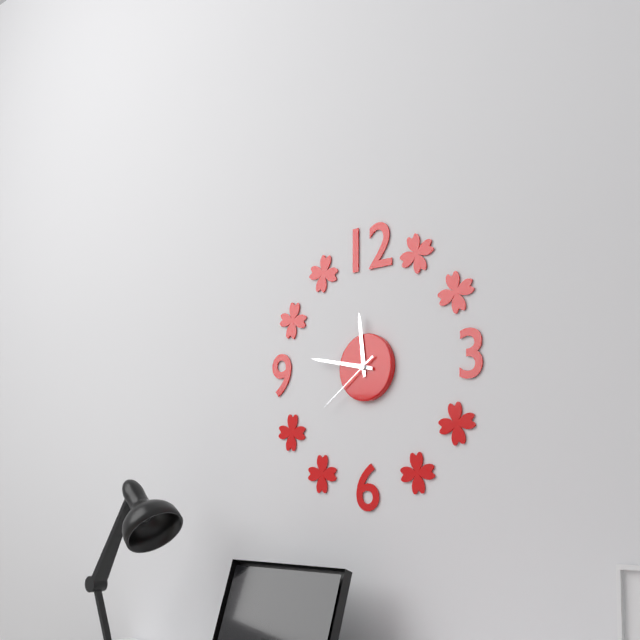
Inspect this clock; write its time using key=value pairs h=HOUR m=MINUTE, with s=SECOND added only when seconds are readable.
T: h=11 m=47 s=39
